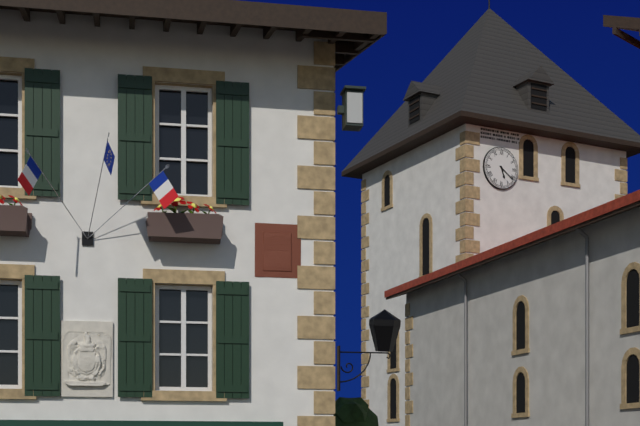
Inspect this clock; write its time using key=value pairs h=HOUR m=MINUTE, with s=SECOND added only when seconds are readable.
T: h=5 m=21
